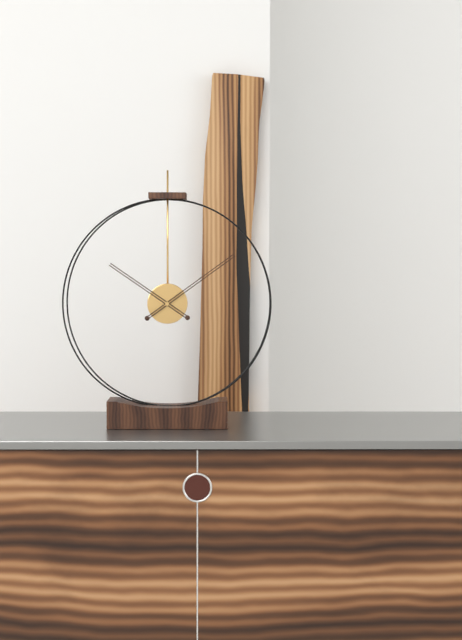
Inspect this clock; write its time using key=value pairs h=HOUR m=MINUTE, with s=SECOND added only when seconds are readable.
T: h=10 m=9
